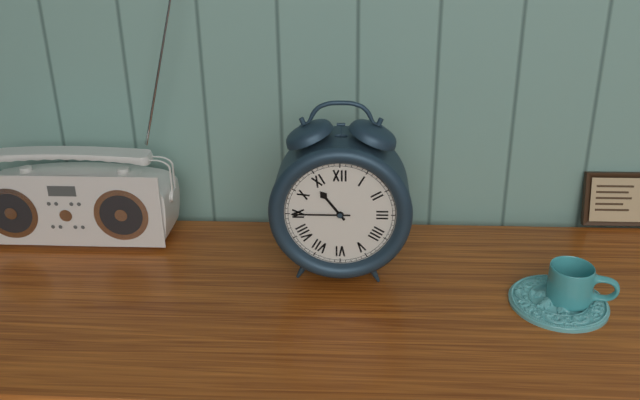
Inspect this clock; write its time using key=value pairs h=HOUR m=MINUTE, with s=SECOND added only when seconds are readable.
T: h=10 m=45
